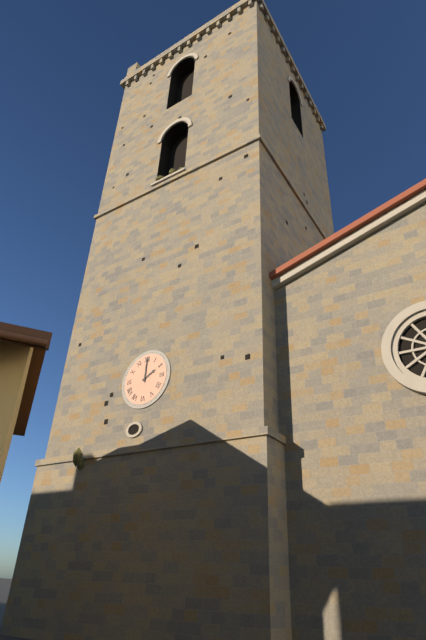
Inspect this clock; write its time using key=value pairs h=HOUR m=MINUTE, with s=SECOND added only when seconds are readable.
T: h=2 m=0
